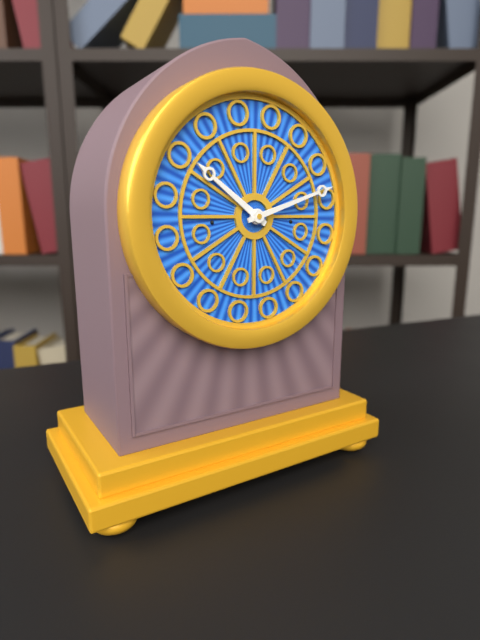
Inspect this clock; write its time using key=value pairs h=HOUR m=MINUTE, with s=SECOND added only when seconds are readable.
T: h=10 m=12
